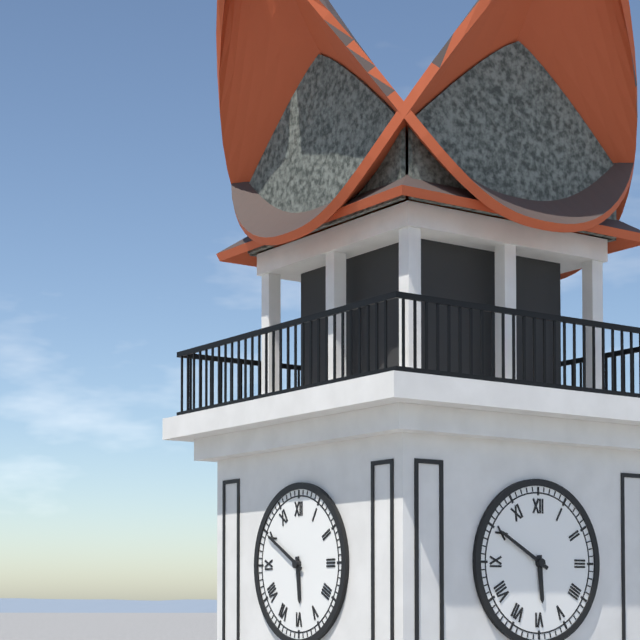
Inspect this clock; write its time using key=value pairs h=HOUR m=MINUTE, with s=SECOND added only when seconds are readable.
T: h=5 m=50
